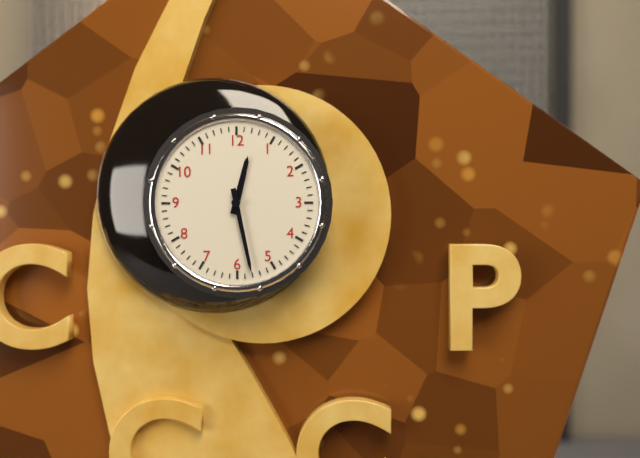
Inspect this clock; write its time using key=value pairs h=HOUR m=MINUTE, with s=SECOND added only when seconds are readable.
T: h=12 m=28
